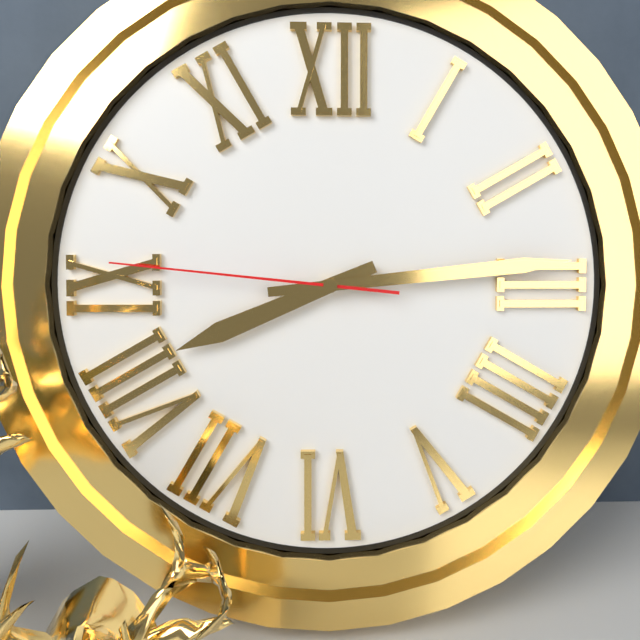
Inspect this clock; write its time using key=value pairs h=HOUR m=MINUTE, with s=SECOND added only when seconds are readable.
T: h=8 m=14 s=46
